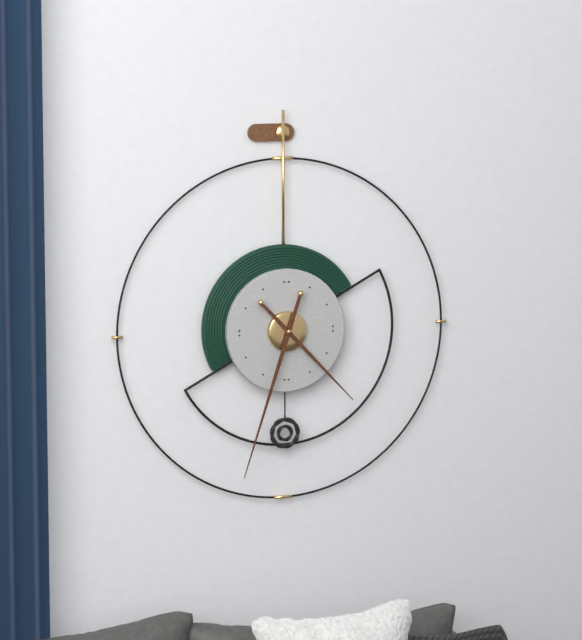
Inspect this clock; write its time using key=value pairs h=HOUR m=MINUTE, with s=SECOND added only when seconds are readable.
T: h=4 m=33
